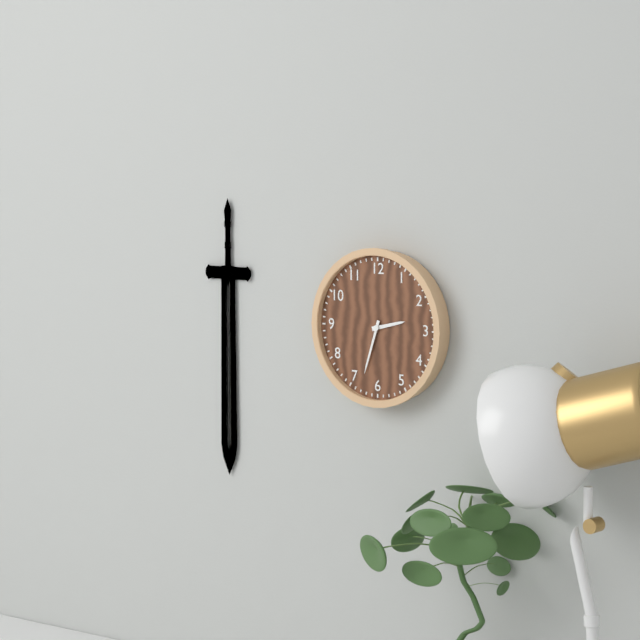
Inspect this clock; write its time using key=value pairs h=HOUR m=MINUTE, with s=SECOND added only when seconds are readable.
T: h=2 m=33
